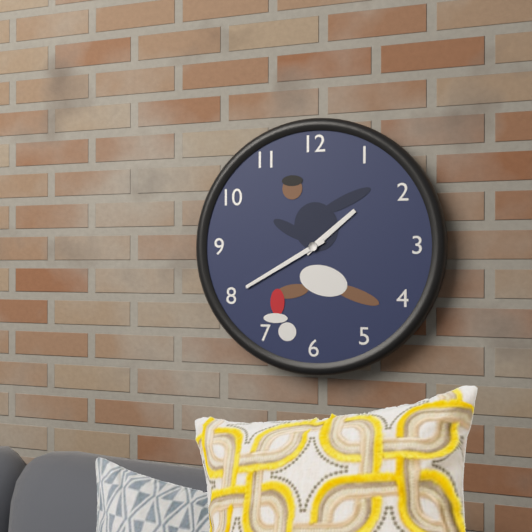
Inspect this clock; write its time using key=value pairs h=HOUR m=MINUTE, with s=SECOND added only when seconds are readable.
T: h=1 m=40
